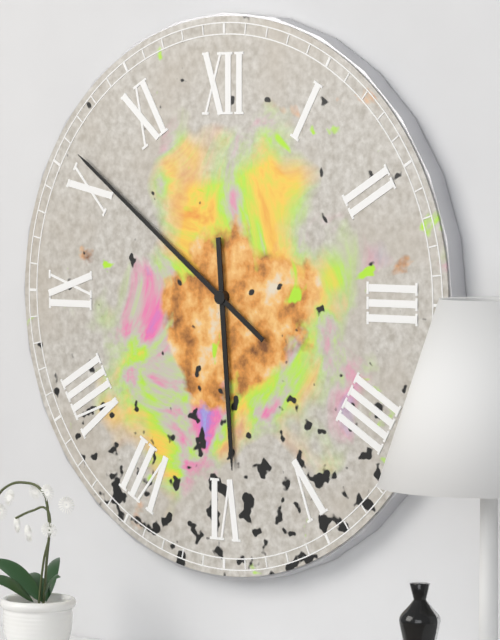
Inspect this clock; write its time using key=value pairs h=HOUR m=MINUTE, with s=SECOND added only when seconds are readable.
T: h=5 m=51
